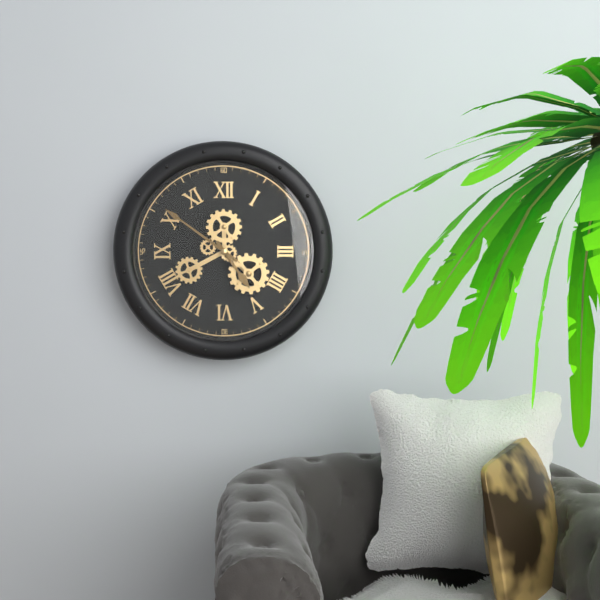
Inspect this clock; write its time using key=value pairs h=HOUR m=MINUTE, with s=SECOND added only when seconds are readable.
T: h=4 m=51
